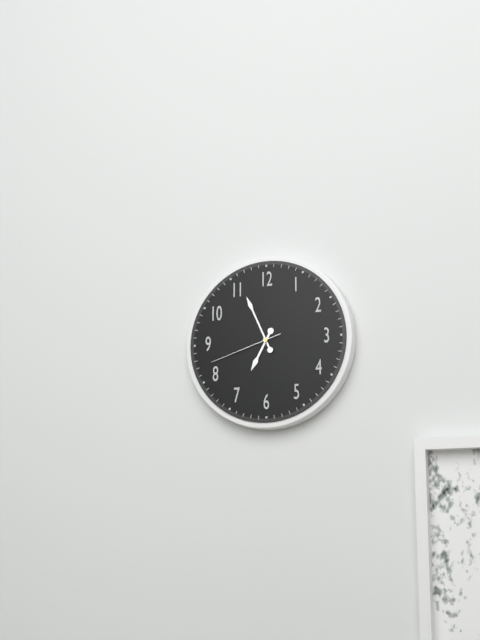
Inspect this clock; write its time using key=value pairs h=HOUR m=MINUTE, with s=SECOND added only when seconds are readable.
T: h=6 m=56 s=42
